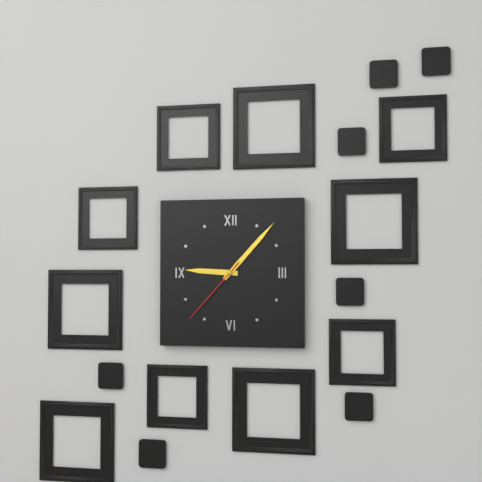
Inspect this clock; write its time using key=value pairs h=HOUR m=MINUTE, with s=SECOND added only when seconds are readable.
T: h=9 m=7 s=37
